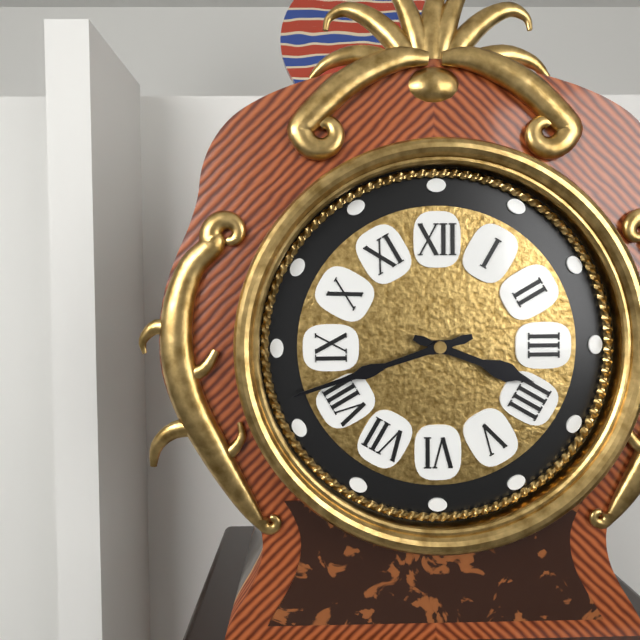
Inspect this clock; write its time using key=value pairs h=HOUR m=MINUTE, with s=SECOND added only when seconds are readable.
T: h=3 m=42
